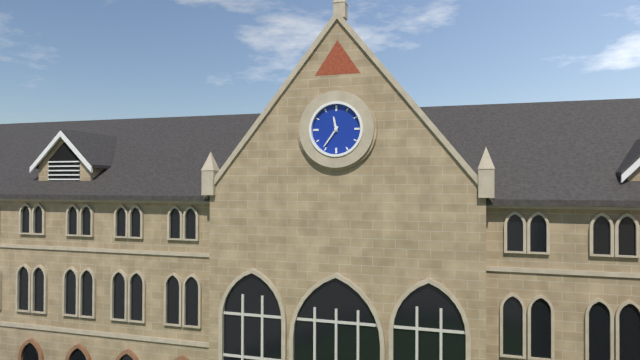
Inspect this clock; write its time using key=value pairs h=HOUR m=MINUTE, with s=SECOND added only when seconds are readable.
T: h=11 m=36
